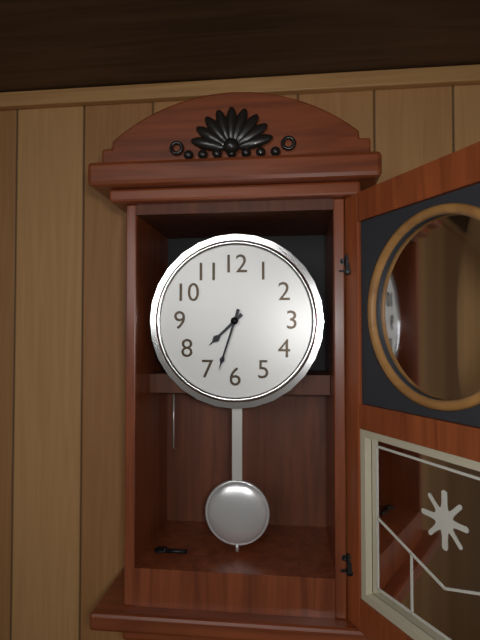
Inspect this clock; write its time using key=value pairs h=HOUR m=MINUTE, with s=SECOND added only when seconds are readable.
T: h=7 m=33
